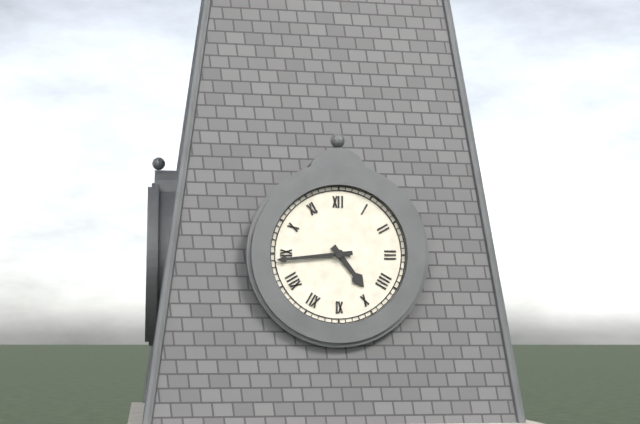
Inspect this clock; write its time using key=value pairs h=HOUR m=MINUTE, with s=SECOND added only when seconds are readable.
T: h=4 m=44
